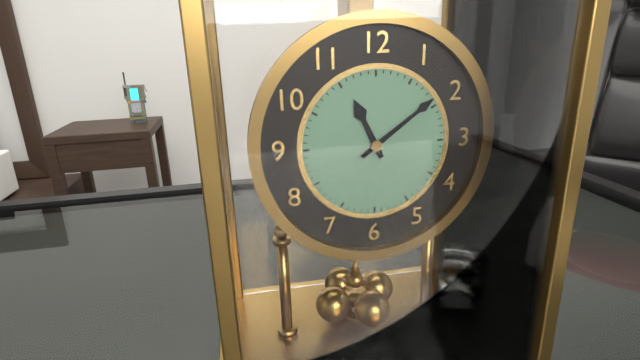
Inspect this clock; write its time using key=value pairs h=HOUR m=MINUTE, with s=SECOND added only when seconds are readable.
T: h=11 m=9
